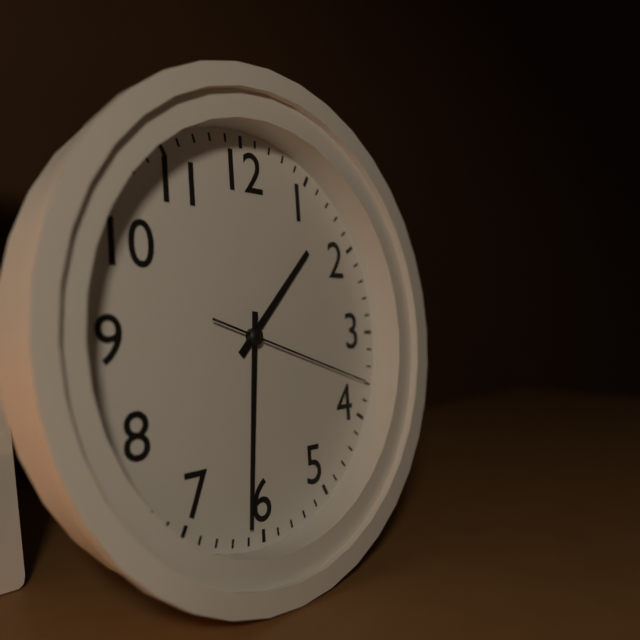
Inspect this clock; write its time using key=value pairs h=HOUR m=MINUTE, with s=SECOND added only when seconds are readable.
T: h=1 m=31 s=18
